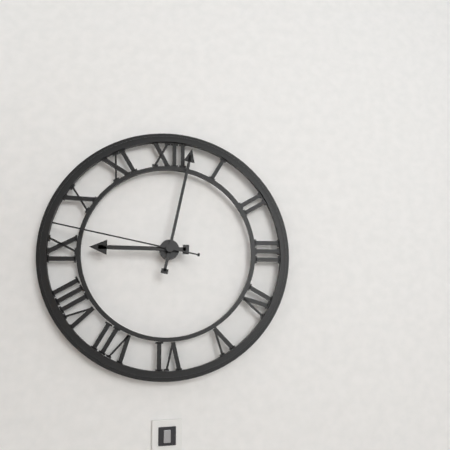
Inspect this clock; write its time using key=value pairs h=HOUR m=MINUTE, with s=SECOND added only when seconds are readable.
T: h=9 m=2 s=47
